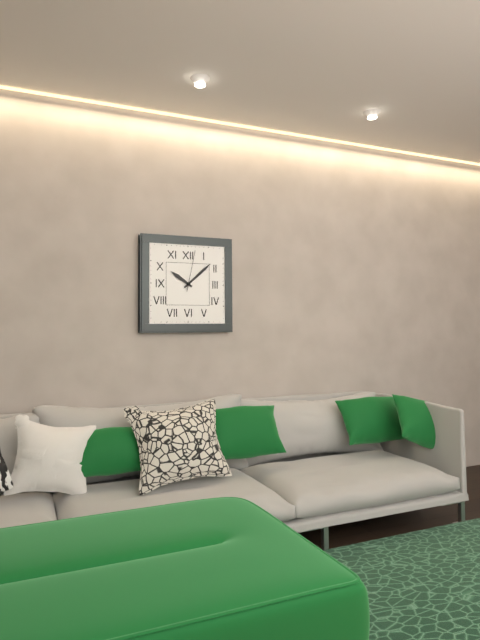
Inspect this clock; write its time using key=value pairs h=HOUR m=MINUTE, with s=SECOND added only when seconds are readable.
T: h=10 m=8
